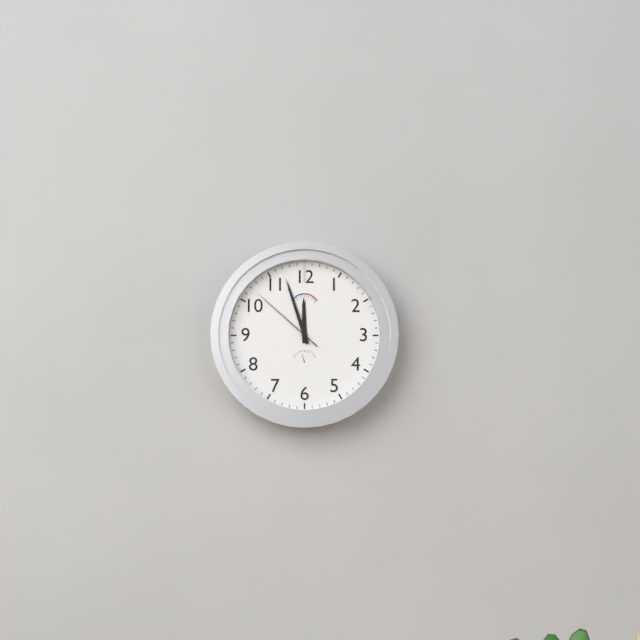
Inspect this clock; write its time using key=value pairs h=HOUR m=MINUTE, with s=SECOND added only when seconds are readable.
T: h=11 m=57 s=52
